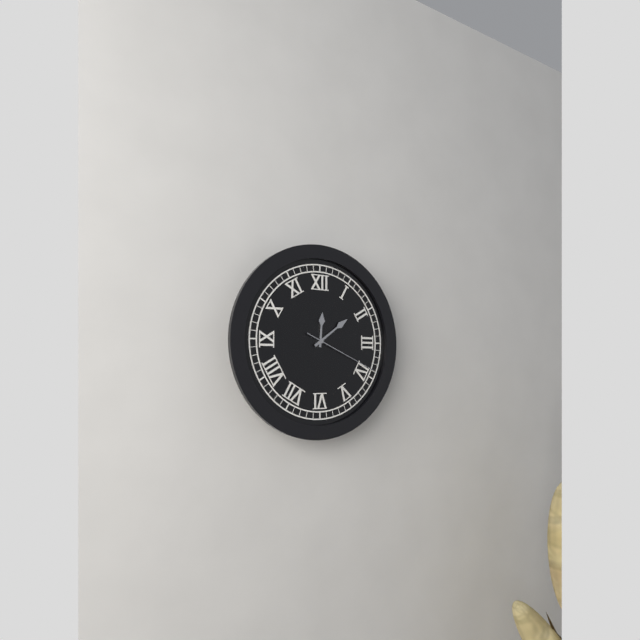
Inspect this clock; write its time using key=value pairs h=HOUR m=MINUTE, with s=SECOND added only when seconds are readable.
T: h=12 m=9 s=19
